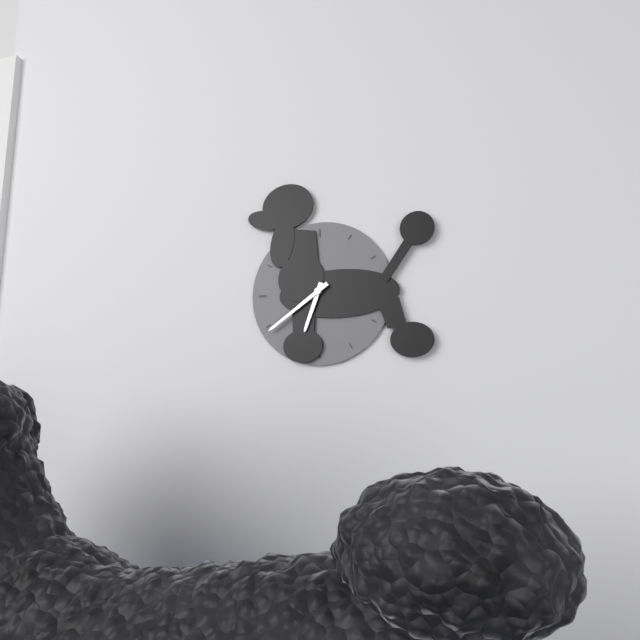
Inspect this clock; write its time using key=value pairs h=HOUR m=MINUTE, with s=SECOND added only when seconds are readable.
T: h=6 m=39
